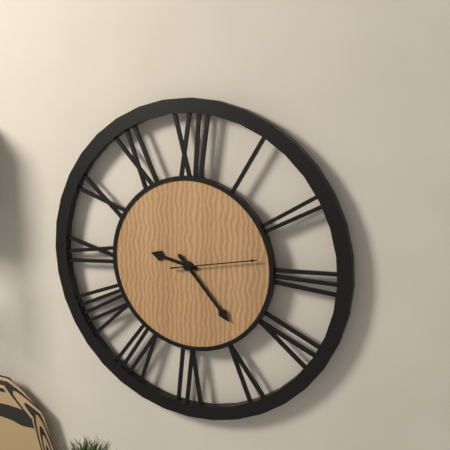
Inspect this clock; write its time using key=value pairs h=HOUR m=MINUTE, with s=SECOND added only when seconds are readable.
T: h=9 m=23 s=13
